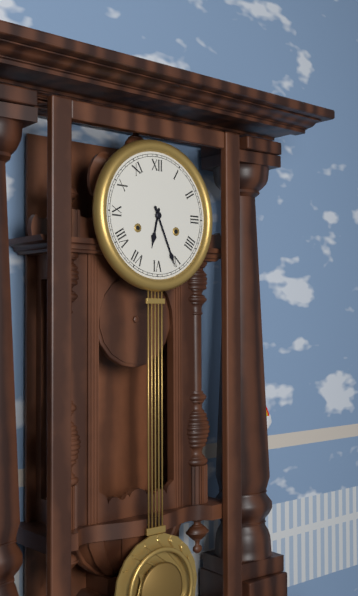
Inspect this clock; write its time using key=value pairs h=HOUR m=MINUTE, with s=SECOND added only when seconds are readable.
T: h=6 m=26
